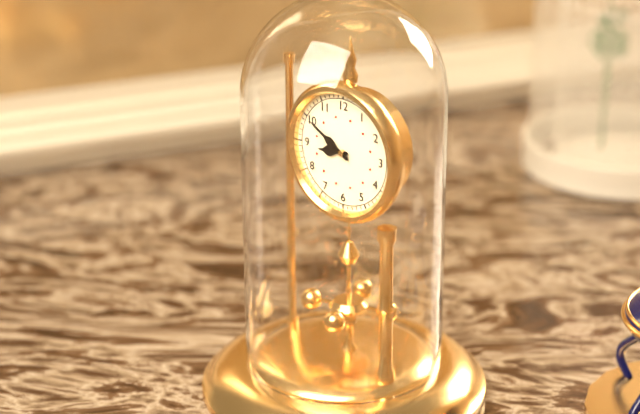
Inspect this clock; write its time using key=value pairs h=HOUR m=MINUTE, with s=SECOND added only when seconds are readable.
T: h=8 m=50
